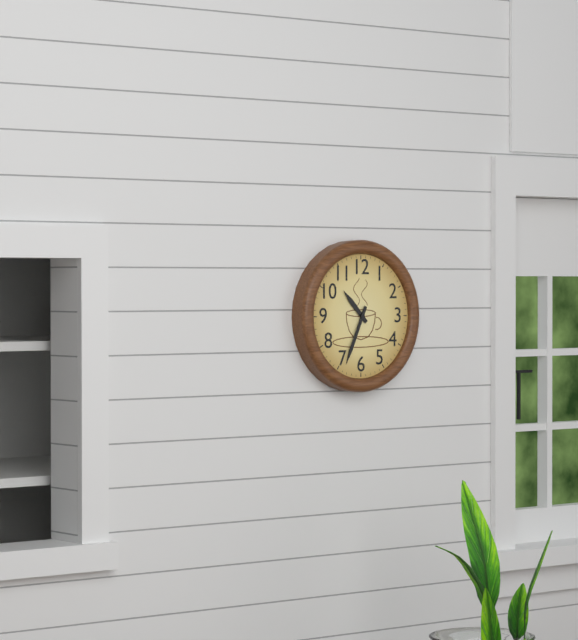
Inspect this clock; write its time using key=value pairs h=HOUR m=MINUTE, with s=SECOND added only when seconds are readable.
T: h=10 m=34
